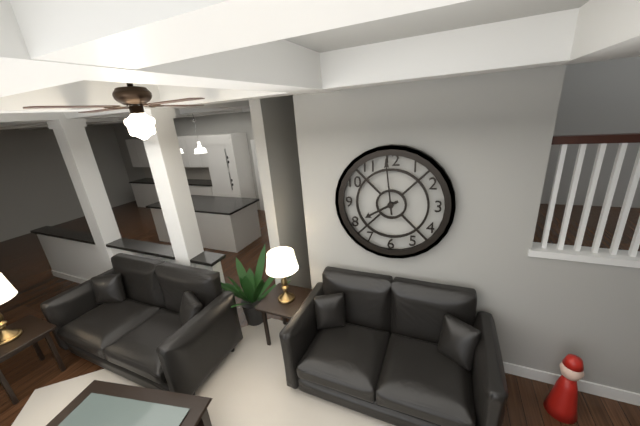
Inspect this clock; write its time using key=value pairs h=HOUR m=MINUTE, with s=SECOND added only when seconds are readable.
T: h=7 m=59
